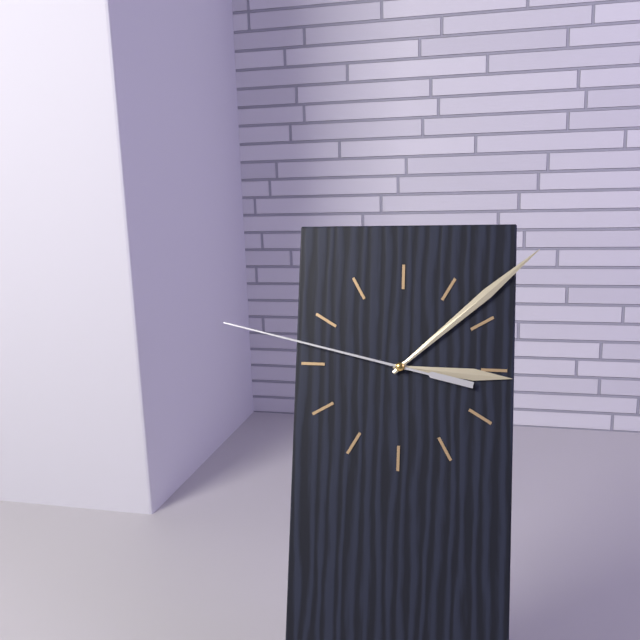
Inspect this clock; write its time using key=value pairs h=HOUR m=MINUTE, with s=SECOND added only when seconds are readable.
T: h=3 m=8 s=47
